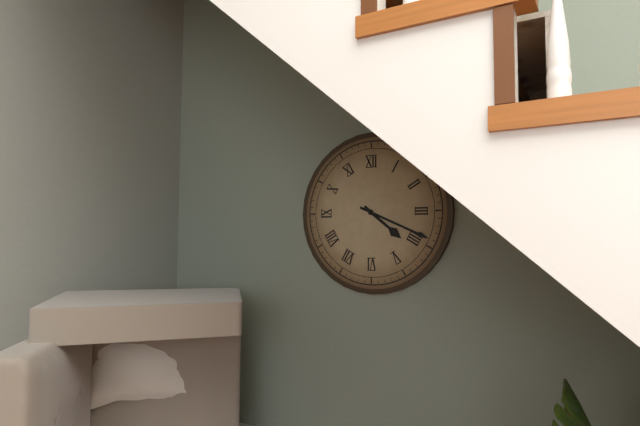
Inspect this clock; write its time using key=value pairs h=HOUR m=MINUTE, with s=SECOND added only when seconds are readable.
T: h=4 m=19
